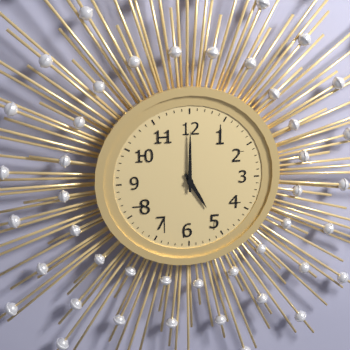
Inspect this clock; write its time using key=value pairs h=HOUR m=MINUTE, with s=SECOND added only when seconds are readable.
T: h=5 m=0
